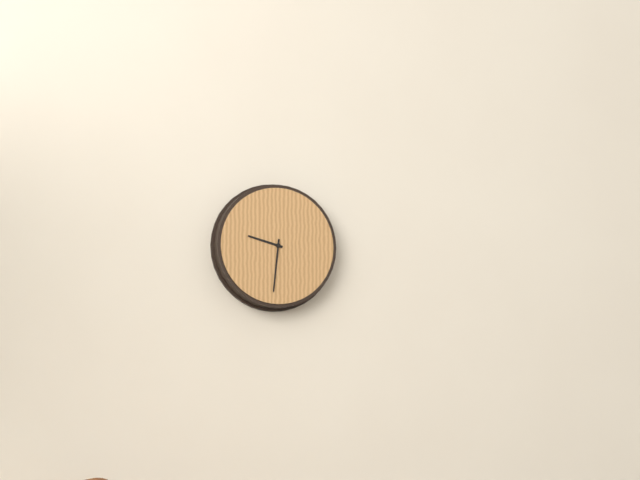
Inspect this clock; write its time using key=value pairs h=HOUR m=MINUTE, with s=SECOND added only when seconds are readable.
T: h=9 m=31
